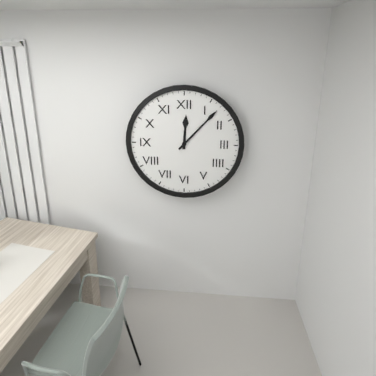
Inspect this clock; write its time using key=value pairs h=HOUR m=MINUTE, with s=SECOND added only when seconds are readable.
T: h=12 m=7
